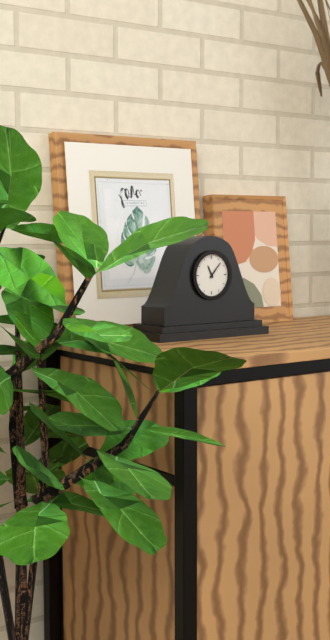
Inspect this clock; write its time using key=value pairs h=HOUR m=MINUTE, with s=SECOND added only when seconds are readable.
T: h=11 m=7
